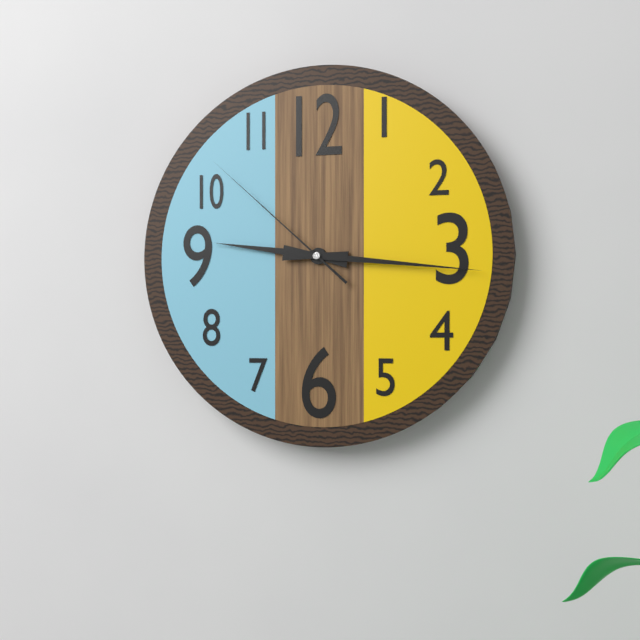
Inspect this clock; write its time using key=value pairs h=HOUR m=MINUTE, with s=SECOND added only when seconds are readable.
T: h=9 m=16 s=52
